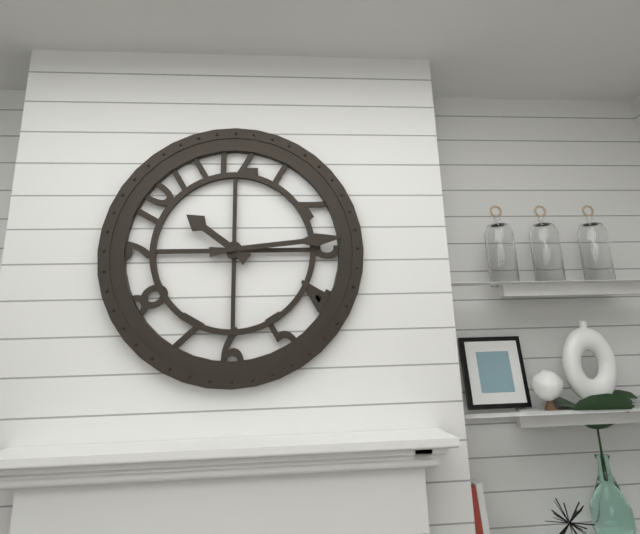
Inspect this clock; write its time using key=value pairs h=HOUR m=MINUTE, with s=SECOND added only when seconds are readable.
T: h=10 m=14
